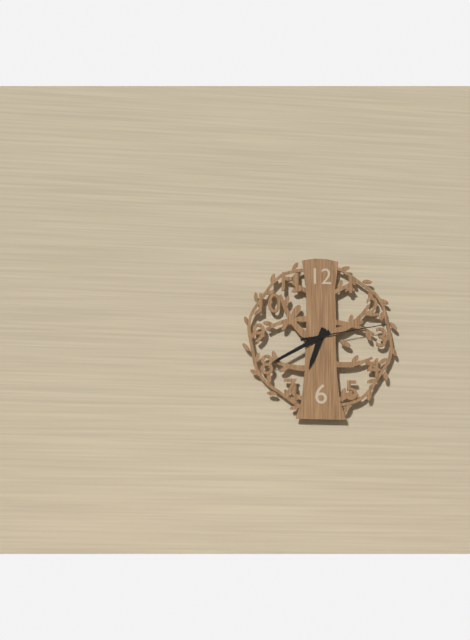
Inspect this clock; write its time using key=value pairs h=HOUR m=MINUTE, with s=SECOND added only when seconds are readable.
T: h=6 m=40 s=13
